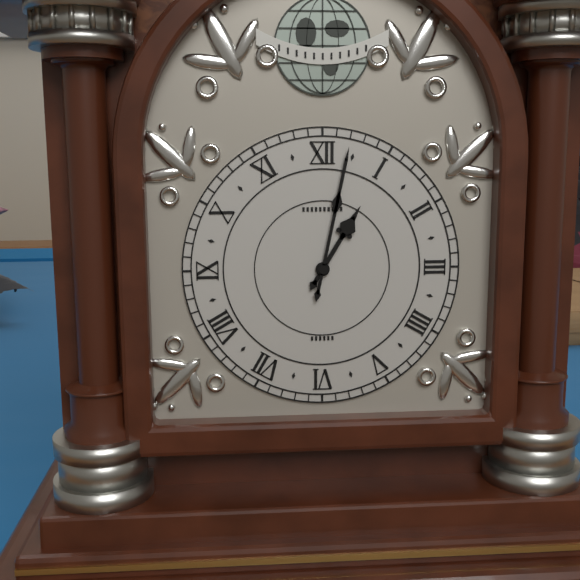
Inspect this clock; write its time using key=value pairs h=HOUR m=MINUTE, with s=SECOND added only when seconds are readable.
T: h=1 m=2
